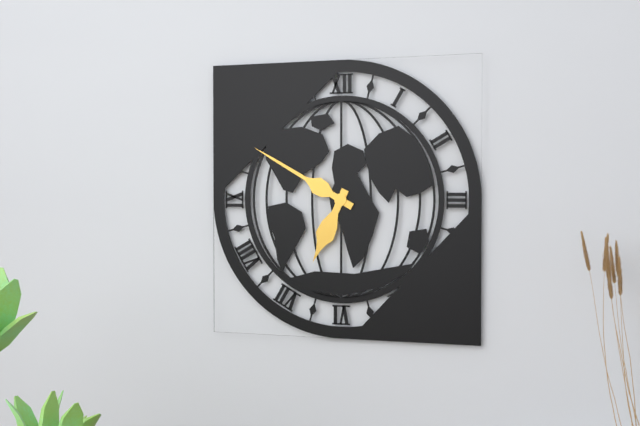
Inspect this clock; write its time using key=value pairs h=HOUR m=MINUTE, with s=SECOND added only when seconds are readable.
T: h=6 m=50
